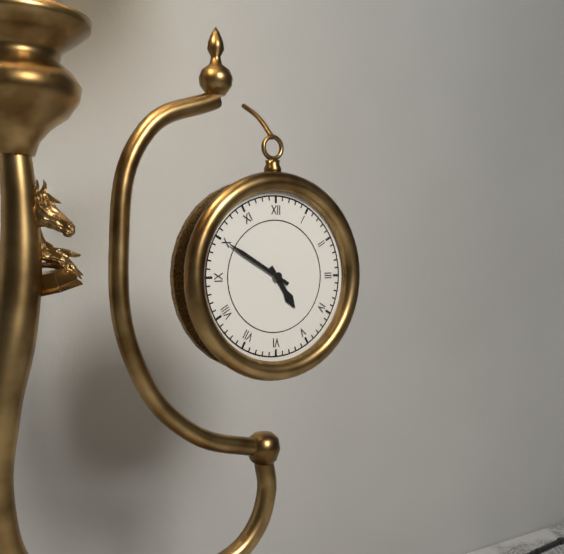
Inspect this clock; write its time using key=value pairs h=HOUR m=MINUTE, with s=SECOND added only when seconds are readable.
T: h=4 m=50
